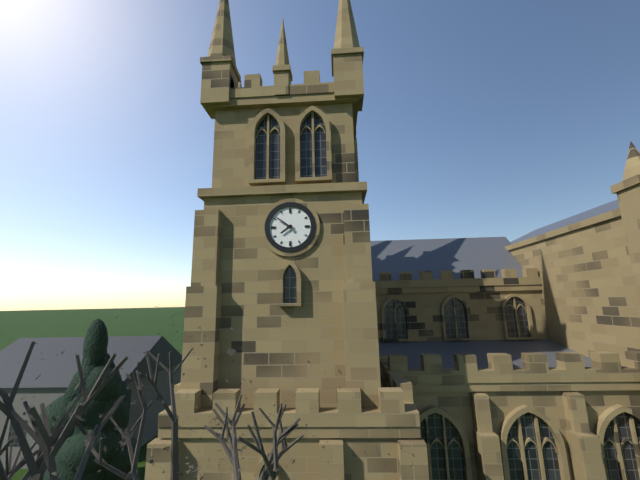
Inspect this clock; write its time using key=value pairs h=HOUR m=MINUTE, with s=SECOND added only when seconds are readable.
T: h=7 m=51
